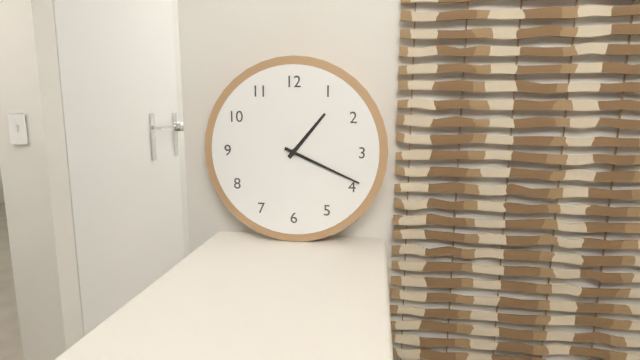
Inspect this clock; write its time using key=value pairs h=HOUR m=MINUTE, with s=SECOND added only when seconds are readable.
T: h=1 m=19
